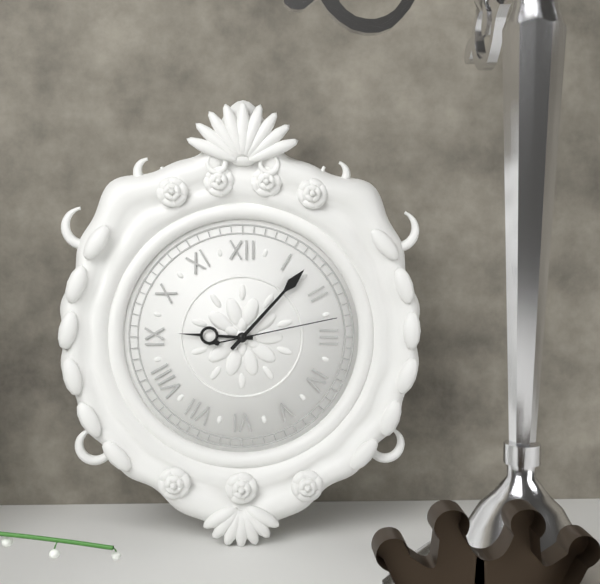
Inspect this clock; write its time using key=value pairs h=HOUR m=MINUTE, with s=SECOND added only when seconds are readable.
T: h=9 m=7 s=13
